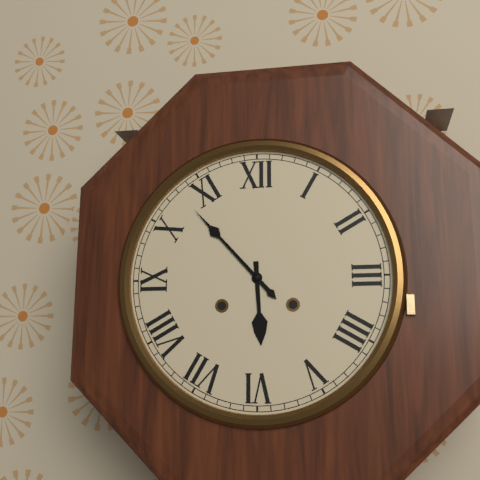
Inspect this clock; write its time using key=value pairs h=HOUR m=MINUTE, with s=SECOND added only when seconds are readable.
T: h=5 m=53
